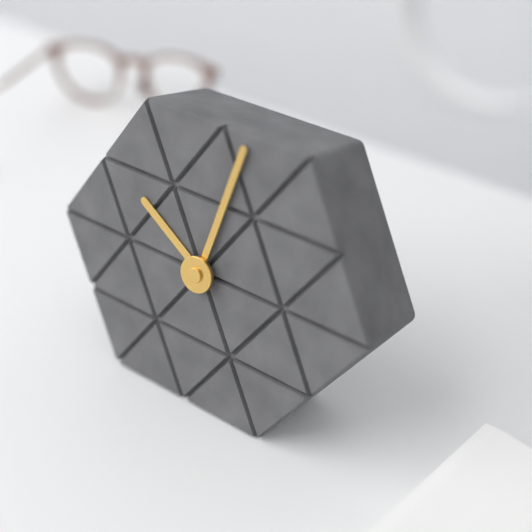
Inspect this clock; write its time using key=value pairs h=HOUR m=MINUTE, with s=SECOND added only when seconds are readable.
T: h=10 m=2
